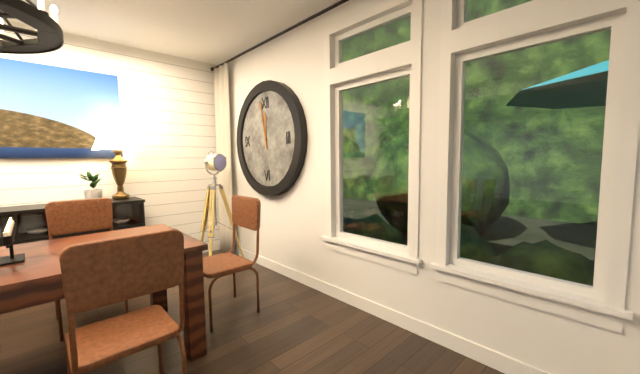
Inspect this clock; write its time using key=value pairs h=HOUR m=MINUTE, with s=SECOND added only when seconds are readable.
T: h=11 m=58
